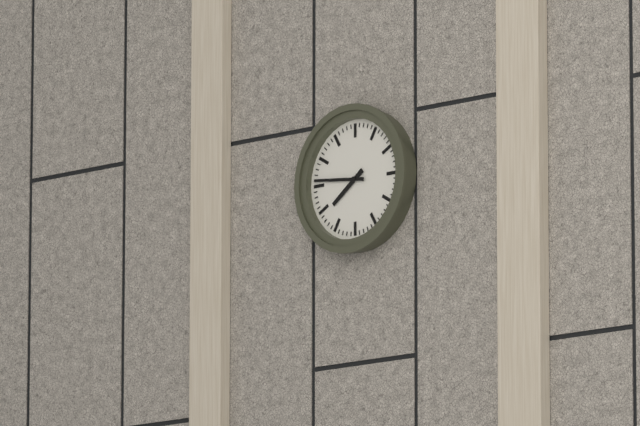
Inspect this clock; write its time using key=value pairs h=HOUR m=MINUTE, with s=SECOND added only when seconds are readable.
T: h=7 m=46
